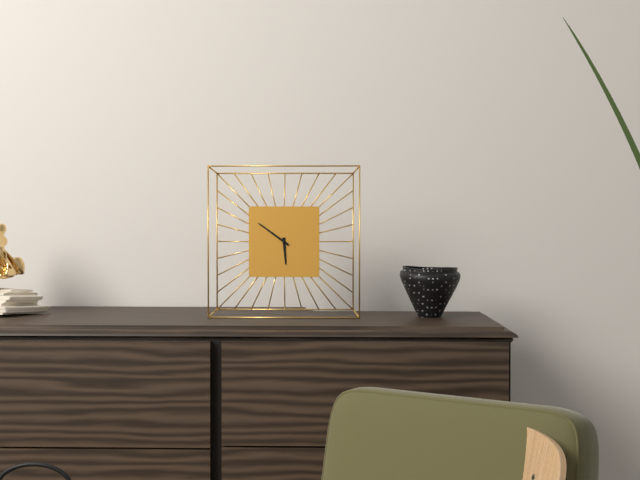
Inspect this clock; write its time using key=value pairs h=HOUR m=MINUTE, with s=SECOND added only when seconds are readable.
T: h=5 m=51
